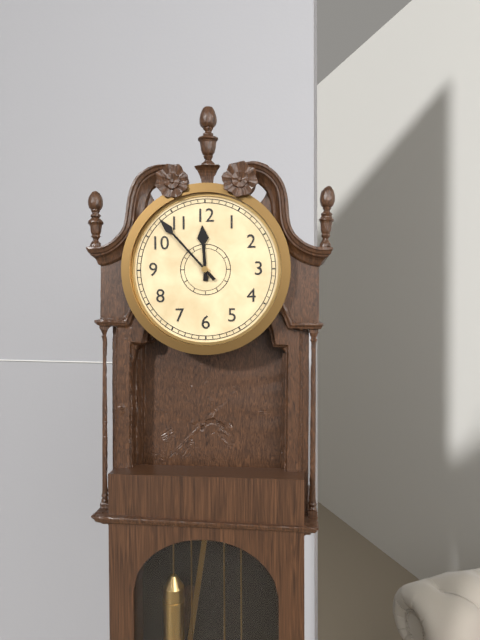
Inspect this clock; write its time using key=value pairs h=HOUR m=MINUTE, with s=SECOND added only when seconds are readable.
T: h=11 m=53
